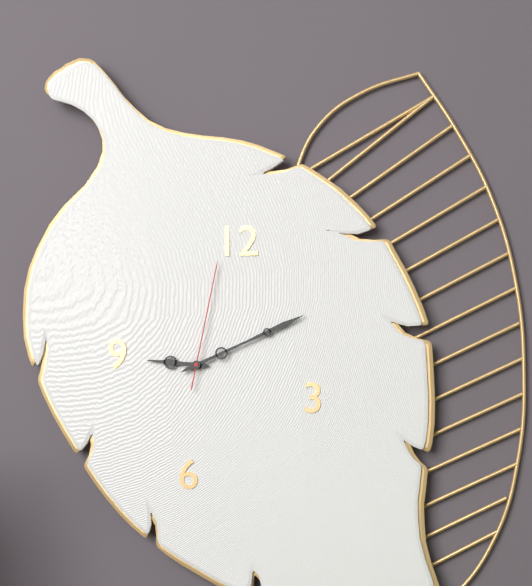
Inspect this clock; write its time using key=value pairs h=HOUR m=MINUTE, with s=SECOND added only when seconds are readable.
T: h=9 m=11 s=2
